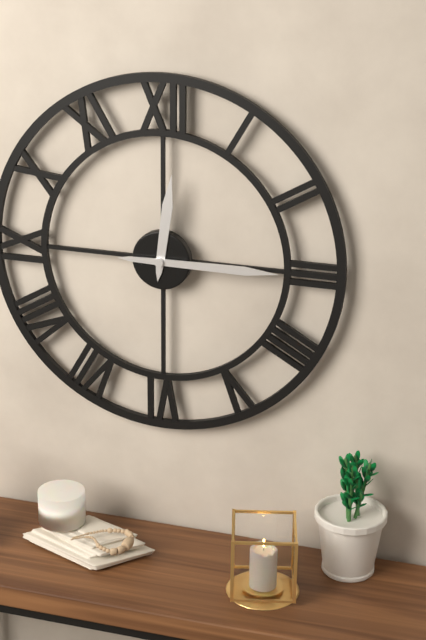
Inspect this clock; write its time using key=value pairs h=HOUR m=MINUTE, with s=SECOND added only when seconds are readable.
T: h=12 m=15
